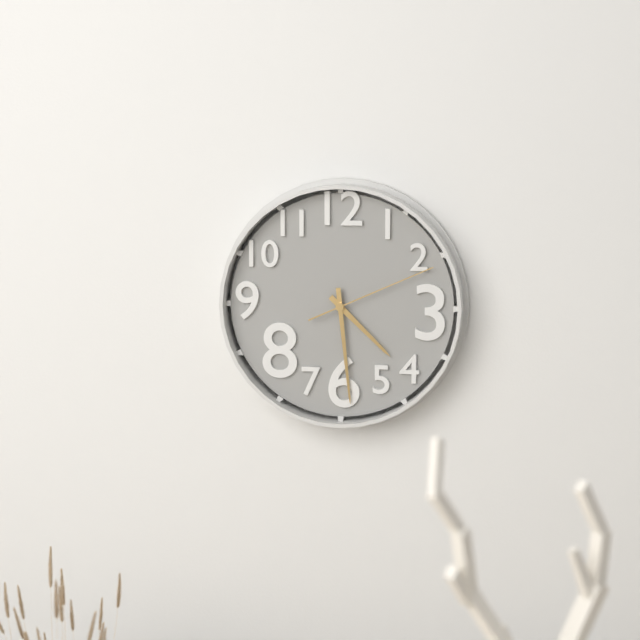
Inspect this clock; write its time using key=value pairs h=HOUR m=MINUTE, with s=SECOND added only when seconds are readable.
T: h=4 m=29 s=11
